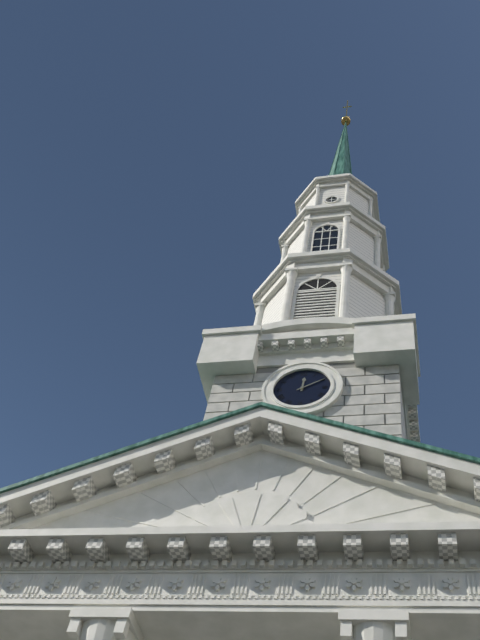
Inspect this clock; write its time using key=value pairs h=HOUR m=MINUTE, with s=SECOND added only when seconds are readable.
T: h=12 m=10
